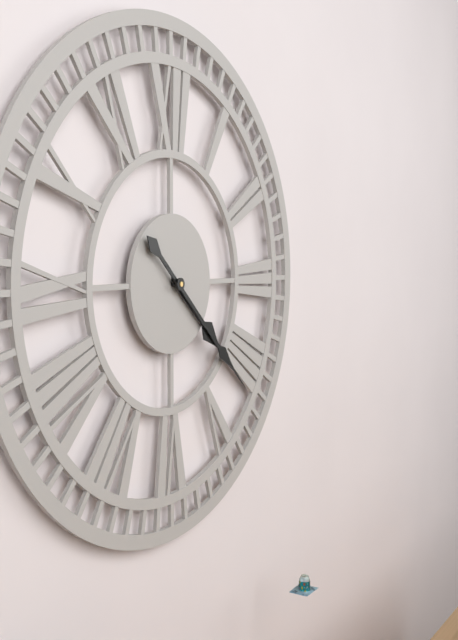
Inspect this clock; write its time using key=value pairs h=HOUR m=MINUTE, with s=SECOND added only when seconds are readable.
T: h=4 m=22
